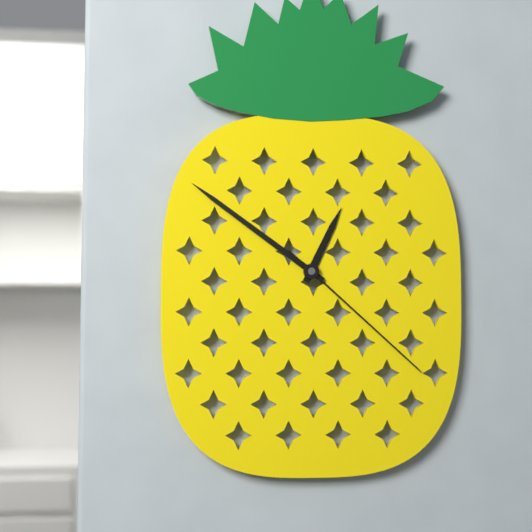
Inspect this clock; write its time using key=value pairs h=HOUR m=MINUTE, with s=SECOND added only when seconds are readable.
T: h=12 m=51 s=22
